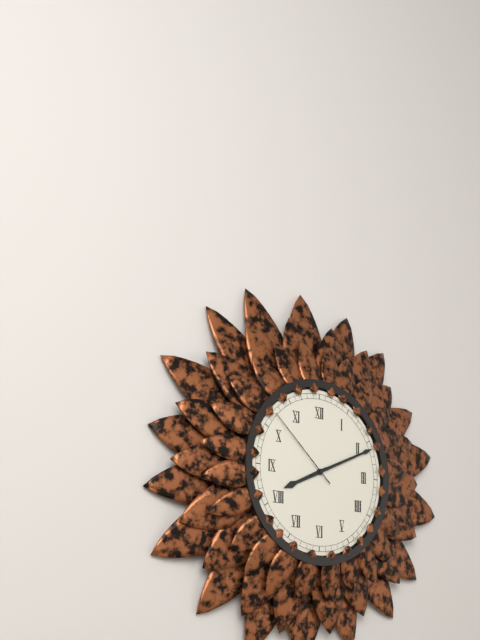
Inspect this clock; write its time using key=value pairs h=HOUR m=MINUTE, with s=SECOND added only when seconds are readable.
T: h=8 m=11 s=52
